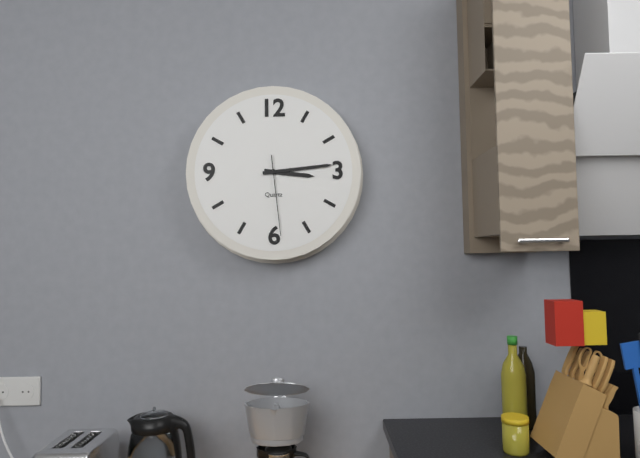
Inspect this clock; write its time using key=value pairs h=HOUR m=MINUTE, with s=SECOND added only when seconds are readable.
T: h=3 m=14 s=29
